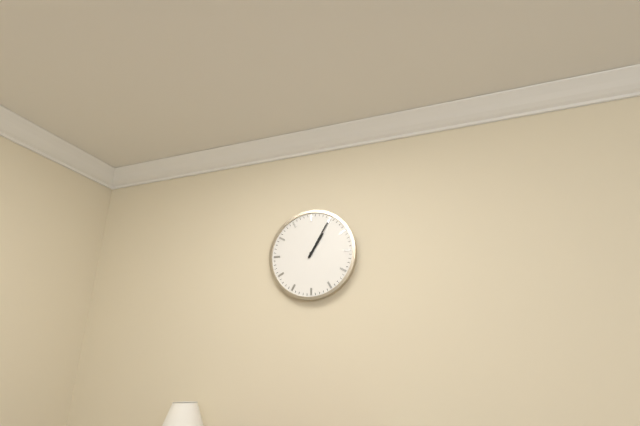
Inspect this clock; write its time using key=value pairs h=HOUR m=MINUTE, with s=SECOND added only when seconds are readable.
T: h=1 m=5
